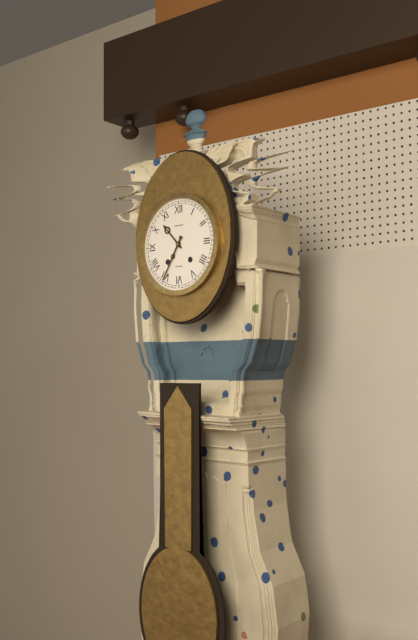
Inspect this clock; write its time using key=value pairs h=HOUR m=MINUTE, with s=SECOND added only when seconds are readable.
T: h=10 m=35
